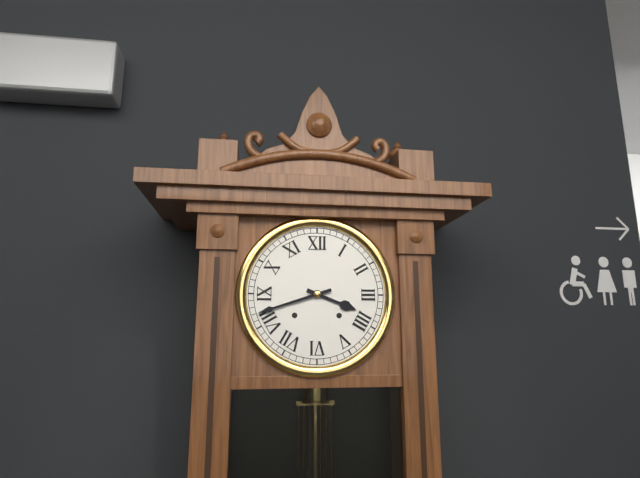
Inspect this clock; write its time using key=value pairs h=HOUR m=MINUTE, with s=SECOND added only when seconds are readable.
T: h=3 m=42
